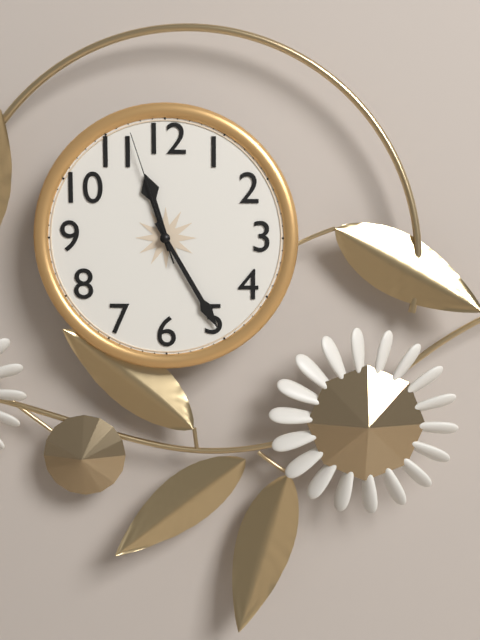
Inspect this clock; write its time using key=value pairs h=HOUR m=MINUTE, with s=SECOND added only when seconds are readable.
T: h=11 m=25 s=57
